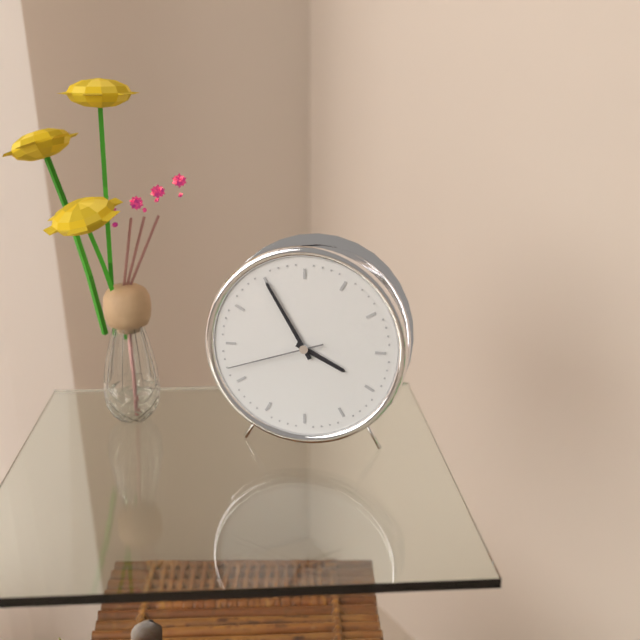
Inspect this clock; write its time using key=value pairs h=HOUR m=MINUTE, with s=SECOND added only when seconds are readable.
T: h=3 m=55 s=42
